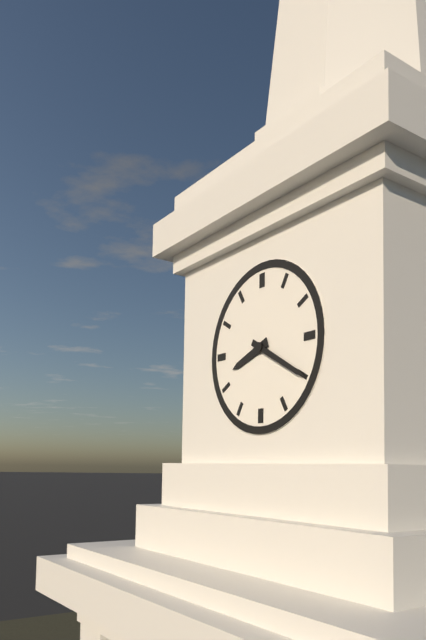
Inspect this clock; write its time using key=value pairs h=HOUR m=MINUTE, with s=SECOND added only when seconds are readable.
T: h=8 m=20
